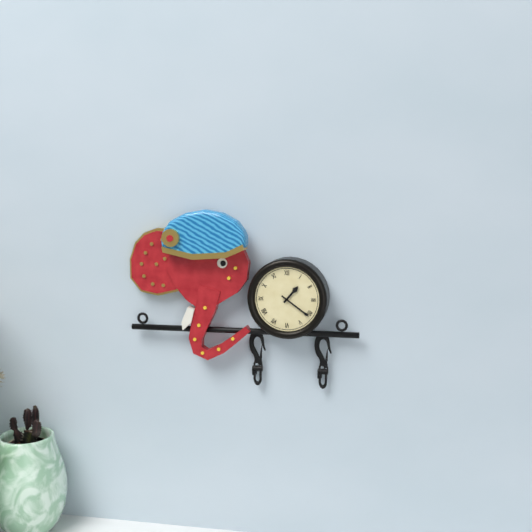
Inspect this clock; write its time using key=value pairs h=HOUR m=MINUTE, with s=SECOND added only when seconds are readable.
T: h=1 m=21
